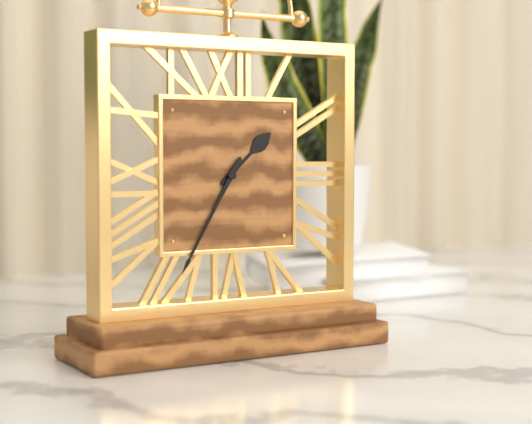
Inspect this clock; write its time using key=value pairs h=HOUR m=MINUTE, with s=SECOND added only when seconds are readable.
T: h=1 m=35
